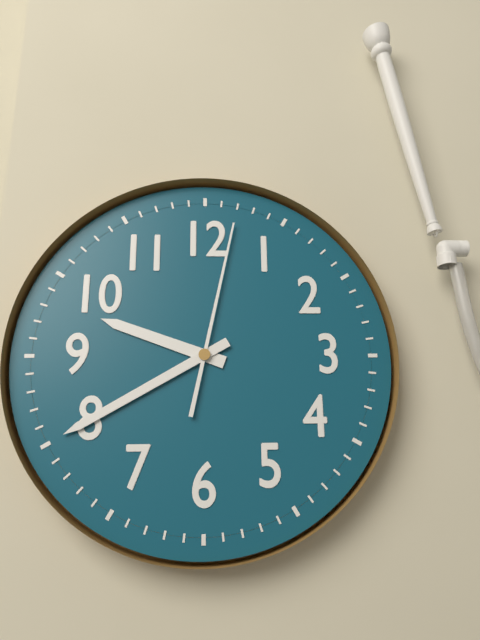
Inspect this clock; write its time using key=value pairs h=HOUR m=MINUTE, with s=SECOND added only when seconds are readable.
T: h=9 m=40 s=2
